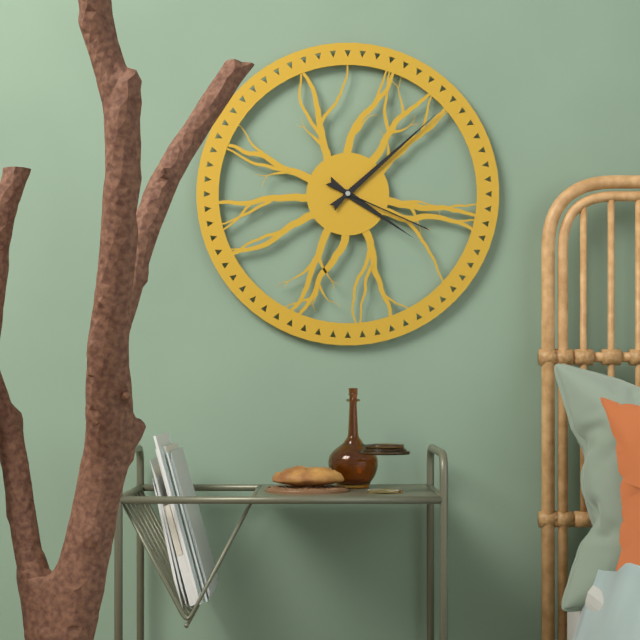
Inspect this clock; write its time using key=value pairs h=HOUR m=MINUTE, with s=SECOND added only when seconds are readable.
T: h=4 m=8 s=19
